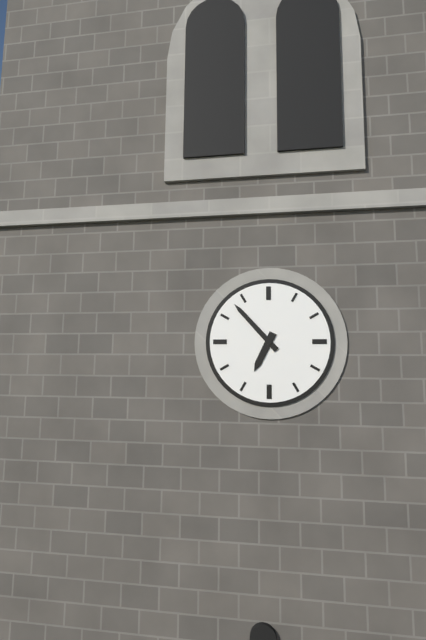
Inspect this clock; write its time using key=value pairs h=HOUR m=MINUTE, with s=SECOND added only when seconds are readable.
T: h=6 m=53
